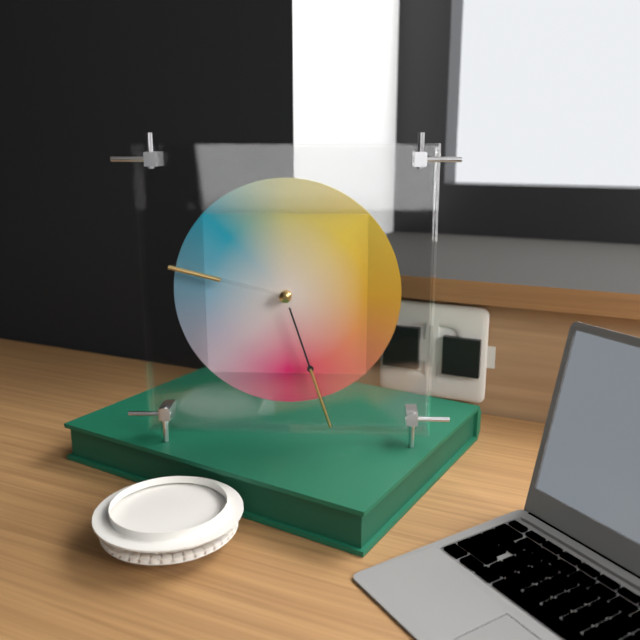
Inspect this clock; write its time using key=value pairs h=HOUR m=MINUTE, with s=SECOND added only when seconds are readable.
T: h=9 m=27
